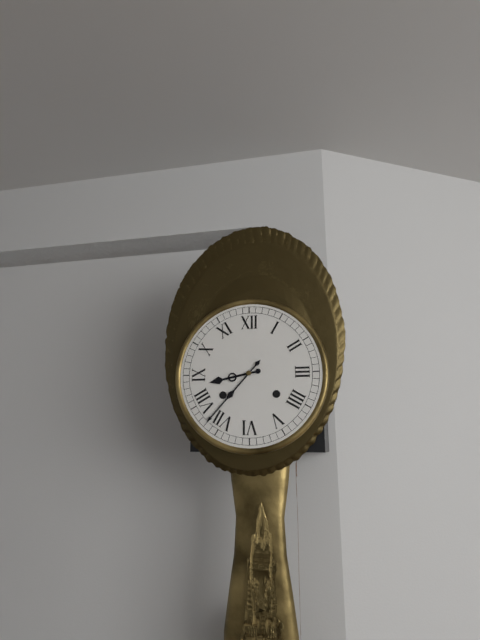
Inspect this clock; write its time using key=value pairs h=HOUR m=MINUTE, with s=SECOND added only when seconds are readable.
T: h=8 m=37
